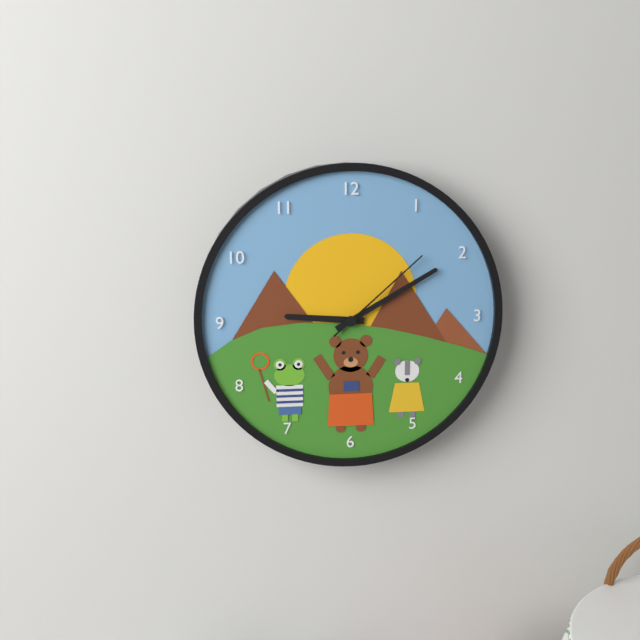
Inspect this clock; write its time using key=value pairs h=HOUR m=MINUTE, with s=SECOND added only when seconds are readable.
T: h=9 m=10 s=8
